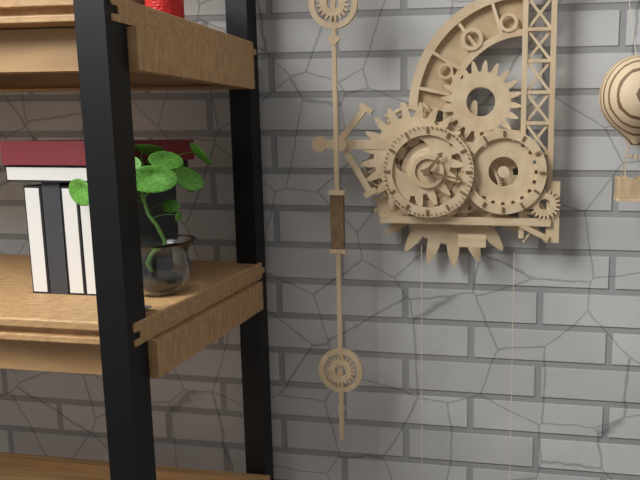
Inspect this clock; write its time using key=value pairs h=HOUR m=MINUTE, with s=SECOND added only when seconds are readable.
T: h=1 m=17
